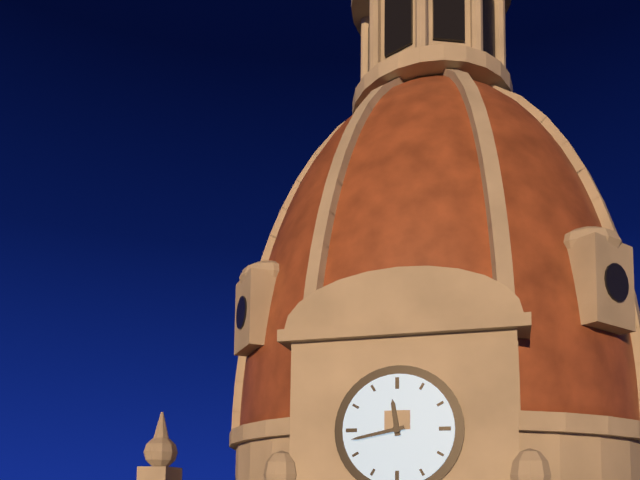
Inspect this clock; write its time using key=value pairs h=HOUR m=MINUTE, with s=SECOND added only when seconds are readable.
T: h=11 m=43
